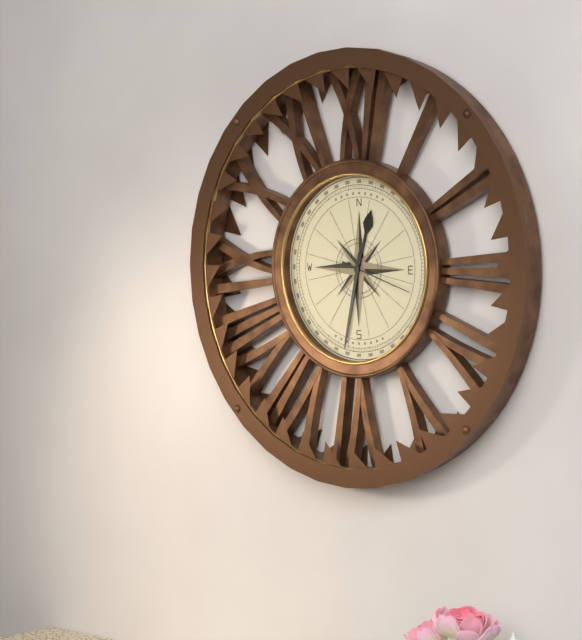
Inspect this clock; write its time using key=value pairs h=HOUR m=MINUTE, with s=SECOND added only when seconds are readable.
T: h=12 m=32 s=18
